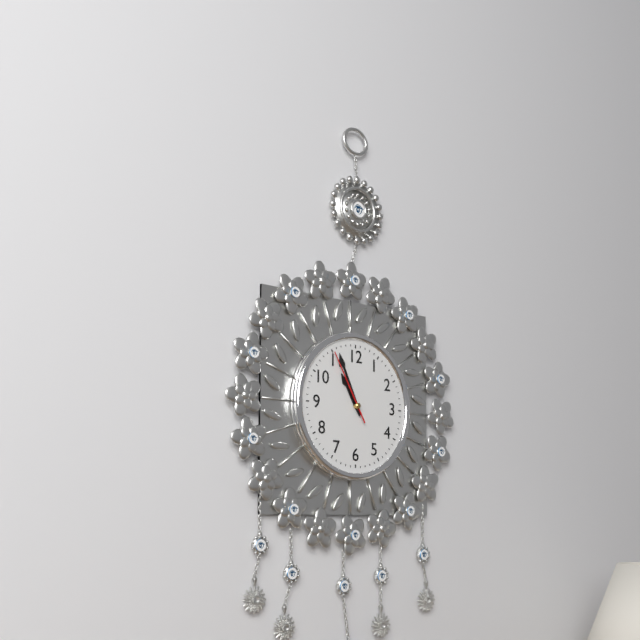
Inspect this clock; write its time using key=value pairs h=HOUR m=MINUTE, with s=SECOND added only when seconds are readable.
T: h=10 m=56 s=55
